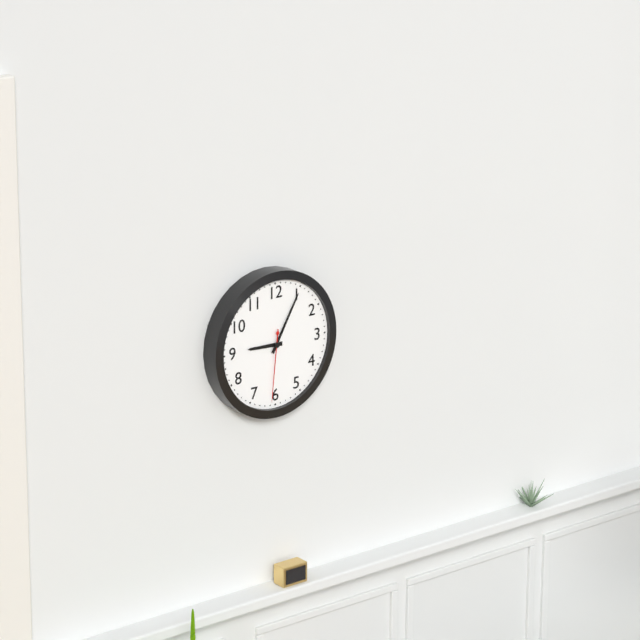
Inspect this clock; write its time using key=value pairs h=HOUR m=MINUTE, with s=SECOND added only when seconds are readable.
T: h=9 m=5 s=31
